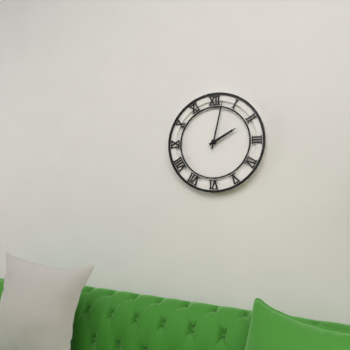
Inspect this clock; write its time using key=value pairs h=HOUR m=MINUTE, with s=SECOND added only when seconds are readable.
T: h=2 m=2
